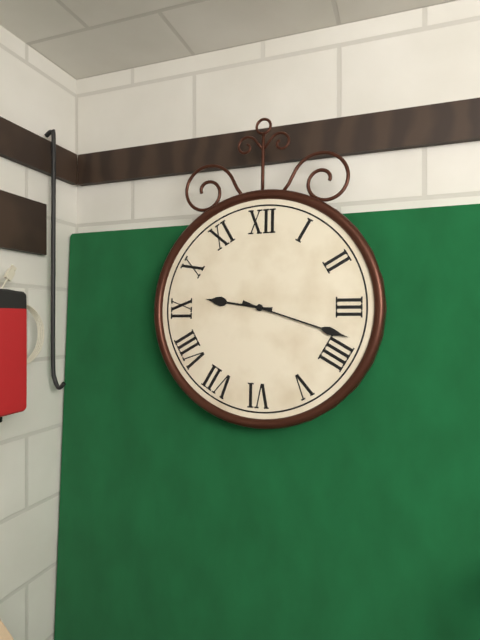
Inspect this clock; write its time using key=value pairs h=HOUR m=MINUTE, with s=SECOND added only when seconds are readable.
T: h=9 m=18
